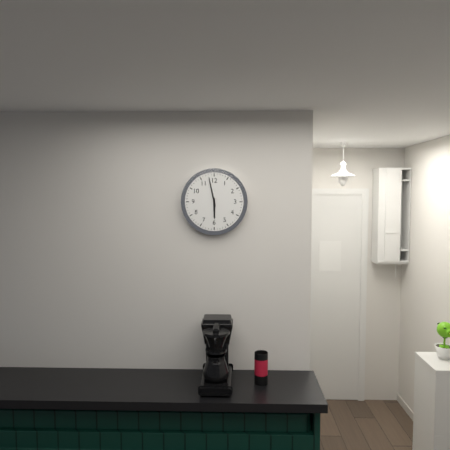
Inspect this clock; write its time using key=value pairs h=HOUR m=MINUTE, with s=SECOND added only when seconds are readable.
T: h=5 m=58
